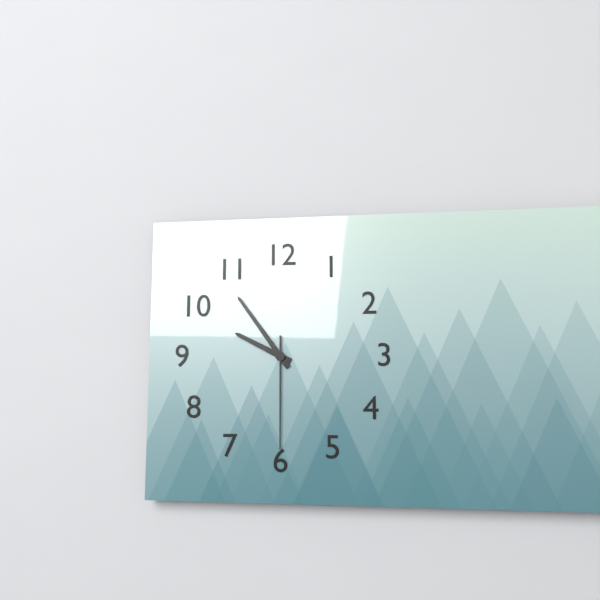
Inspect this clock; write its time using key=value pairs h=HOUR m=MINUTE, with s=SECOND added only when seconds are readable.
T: h=9 m=54 s=30
